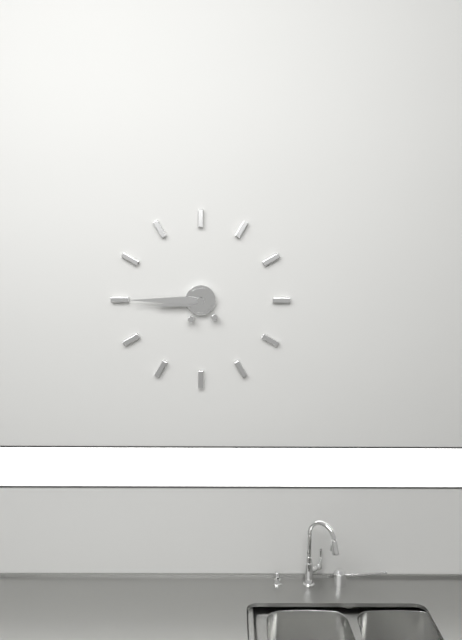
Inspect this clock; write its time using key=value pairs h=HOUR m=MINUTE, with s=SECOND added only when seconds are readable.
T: h=8 m=45
